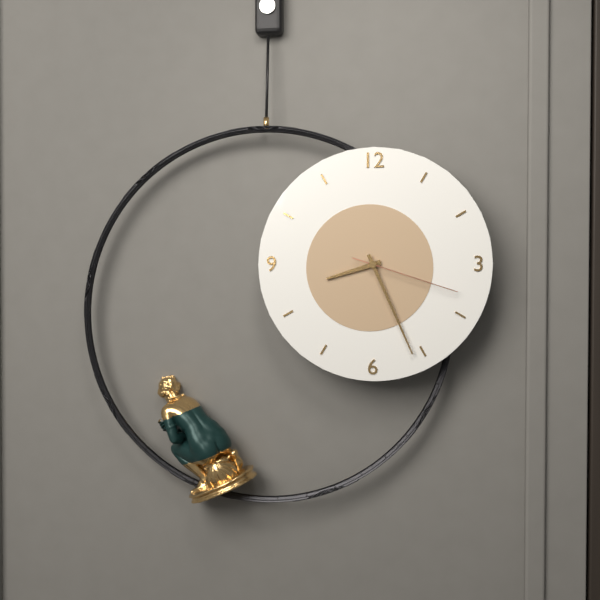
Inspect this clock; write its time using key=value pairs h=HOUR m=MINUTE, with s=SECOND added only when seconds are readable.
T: h=8 m=26 s=18
